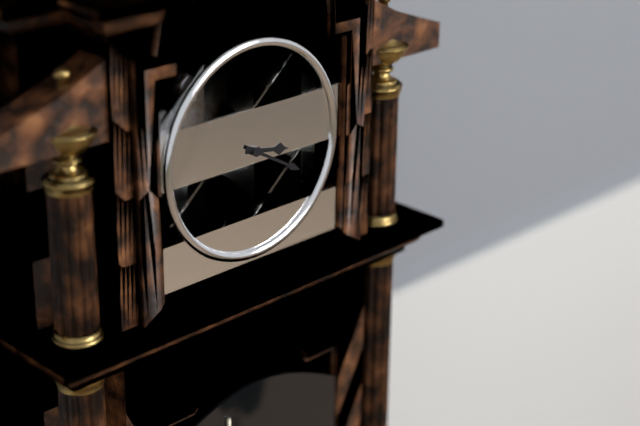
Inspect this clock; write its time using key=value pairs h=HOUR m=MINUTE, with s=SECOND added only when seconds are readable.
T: h=3 m=20
